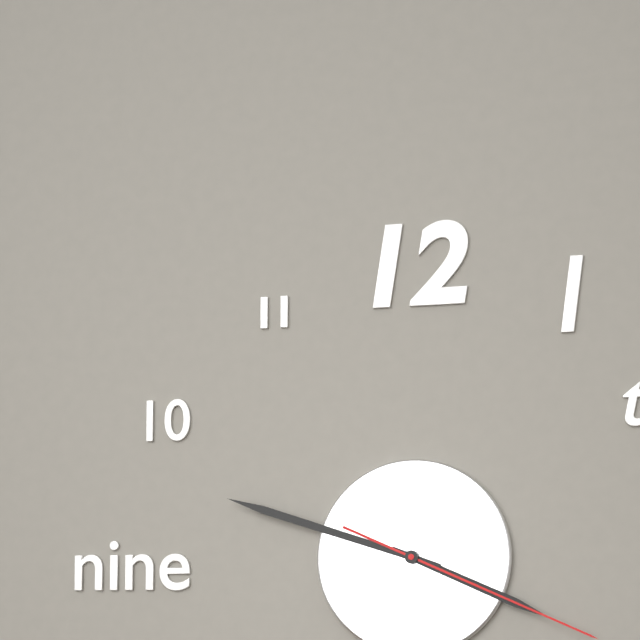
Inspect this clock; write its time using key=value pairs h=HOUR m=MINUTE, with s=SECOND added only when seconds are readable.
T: h=3 m=48 s=19
